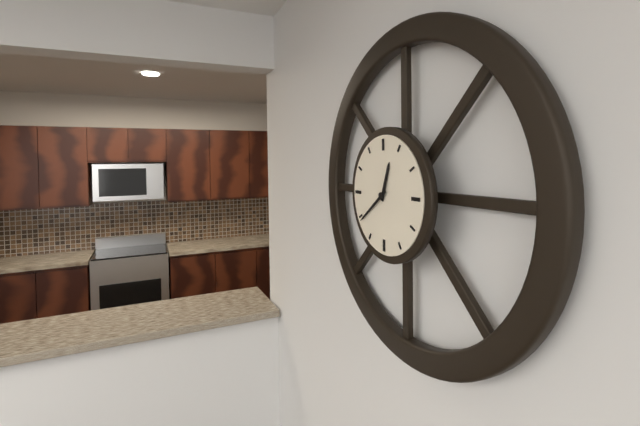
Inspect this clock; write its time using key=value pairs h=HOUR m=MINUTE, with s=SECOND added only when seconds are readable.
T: h=12 m=39
